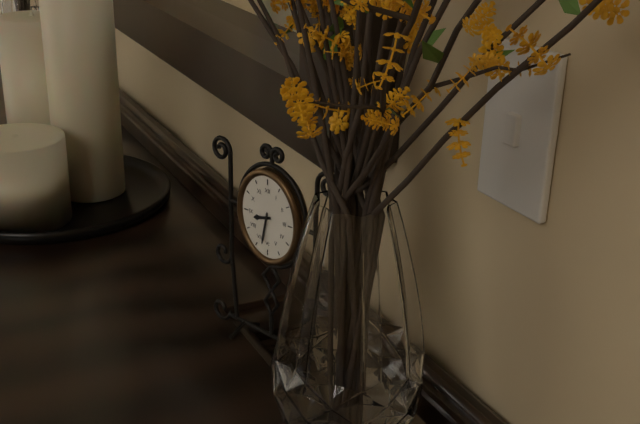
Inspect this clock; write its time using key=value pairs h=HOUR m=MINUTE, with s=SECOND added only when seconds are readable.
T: h=8 m=32
